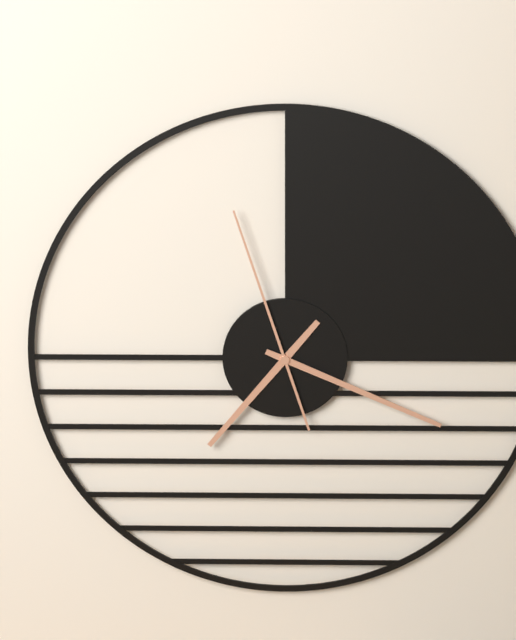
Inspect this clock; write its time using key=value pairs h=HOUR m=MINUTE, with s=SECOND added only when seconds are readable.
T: h=7 m=19 s=57
